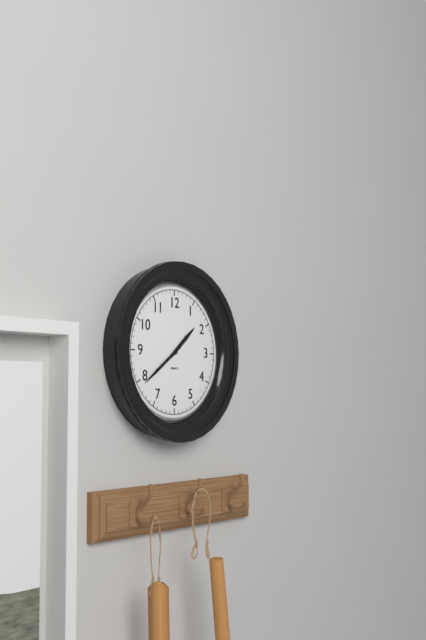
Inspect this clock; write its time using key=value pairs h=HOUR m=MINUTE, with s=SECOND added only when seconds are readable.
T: h=1 m=39
